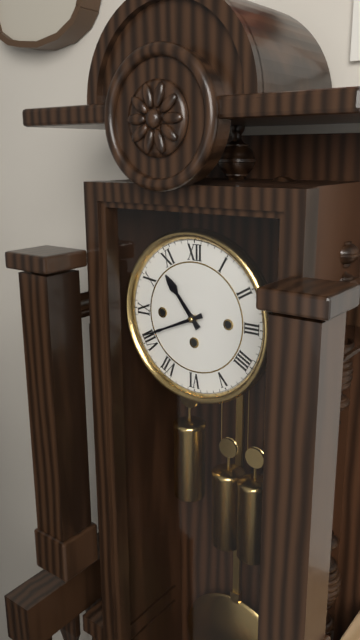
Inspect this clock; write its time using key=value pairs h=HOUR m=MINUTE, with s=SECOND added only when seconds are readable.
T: h=10 m=41
